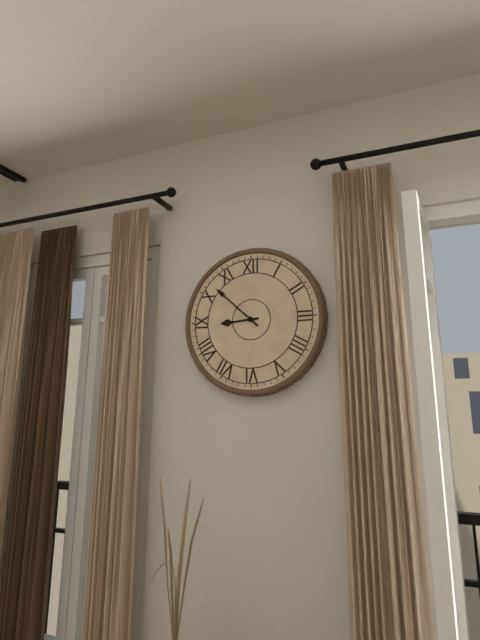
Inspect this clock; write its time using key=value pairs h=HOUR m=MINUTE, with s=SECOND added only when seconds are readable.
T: h=8 m=52
